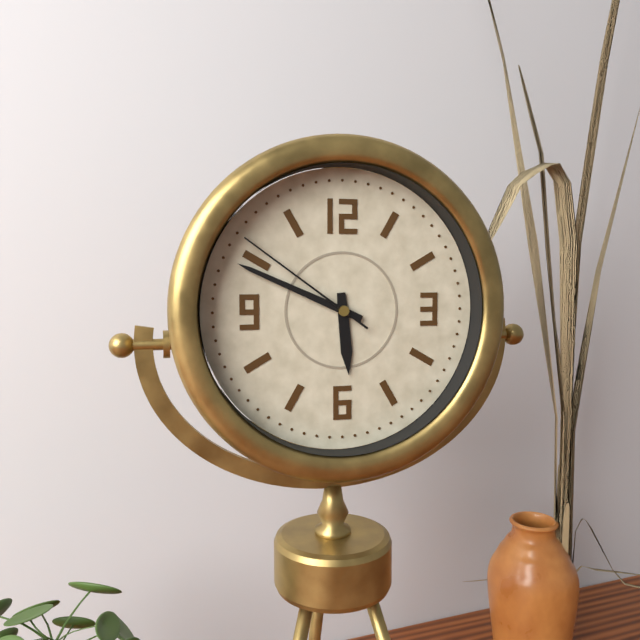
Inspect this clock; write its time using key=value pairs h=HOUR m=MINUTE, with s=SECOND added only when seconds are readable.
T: h=5 m=49 s=51
